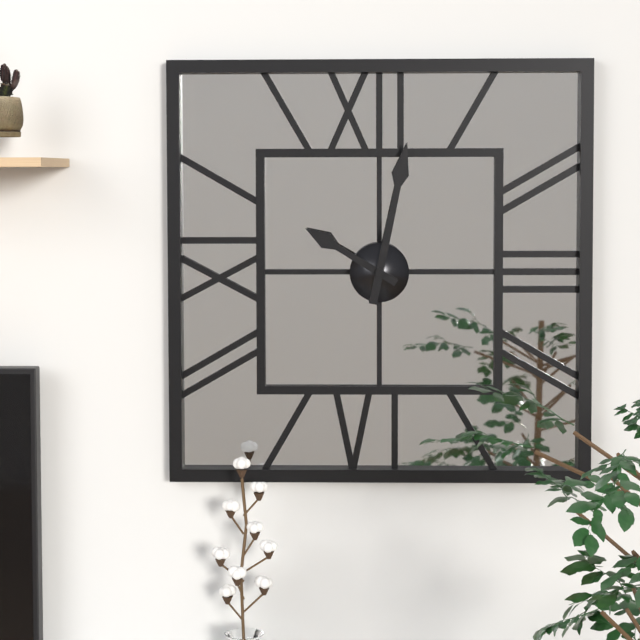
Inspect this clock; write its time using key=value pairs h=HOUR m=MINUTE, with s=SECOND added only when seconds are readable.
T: h=10 m=2
